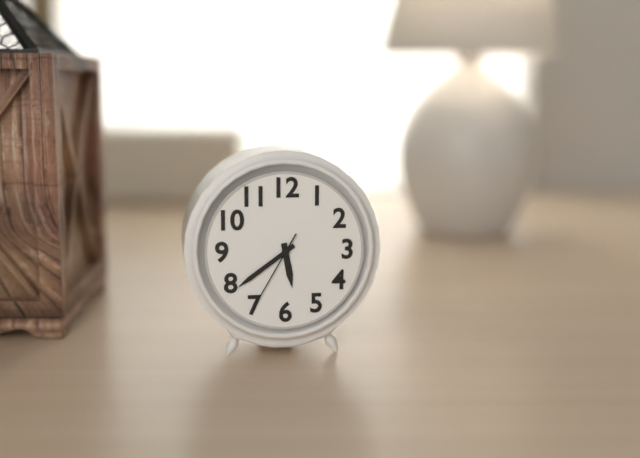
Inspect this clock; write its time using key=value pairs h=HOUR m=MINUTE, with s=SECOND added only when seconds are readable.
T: h=5 m=39 s=35
